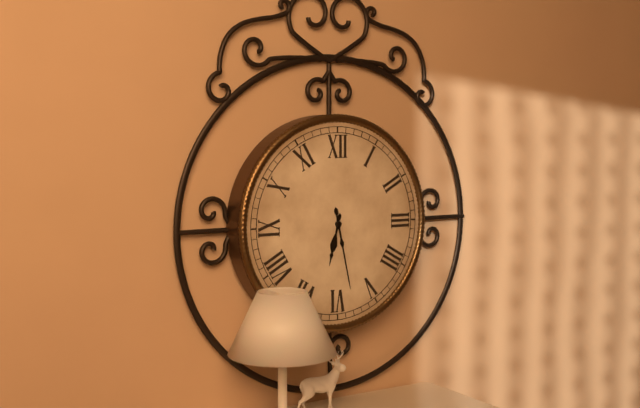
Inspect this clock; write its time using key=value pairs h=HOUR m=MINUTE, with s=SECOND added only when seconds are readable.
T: h=6 m=28
